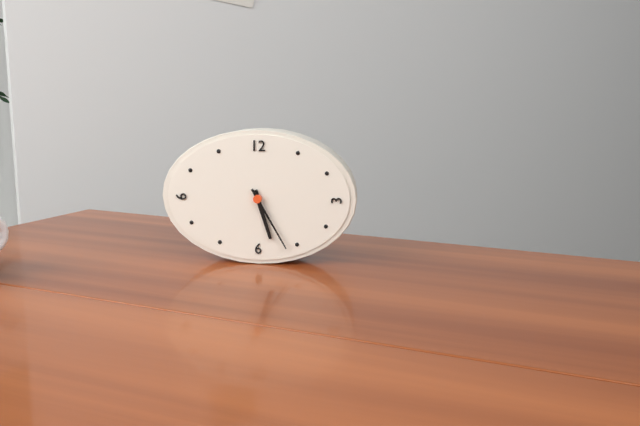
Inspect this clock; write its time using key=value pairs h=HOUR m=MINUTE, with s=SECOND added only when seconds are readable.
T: h=5 m=25
